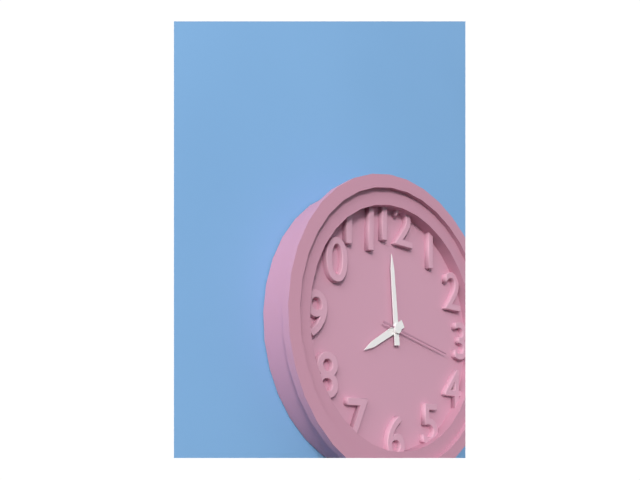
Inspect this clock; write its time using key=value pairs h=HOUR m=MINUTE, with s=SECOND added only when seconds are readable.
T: h=7 m=59 s=17
